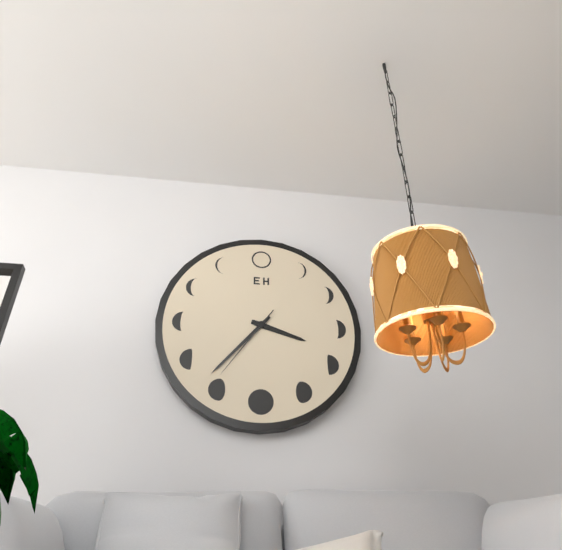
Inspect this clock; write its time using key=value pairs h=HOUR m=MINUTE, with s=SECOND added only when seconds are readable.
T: h=3 m=37 s=36
